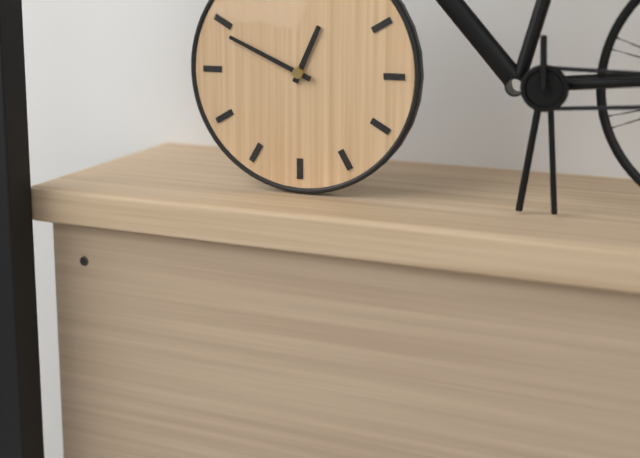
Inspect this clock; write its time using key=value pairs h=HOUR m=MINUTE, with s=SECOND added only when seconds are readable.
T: h=12 m=49
